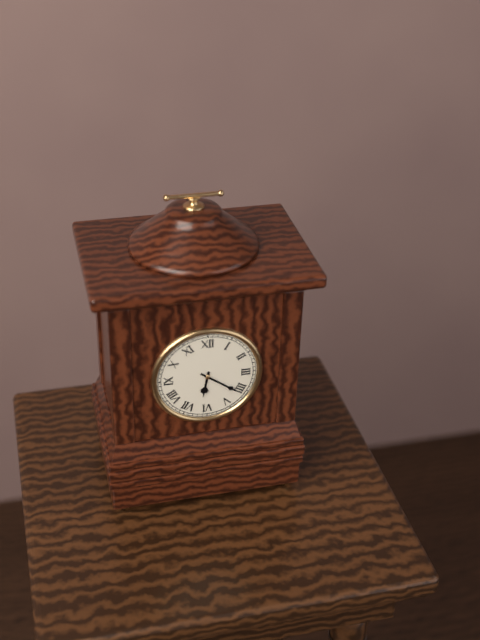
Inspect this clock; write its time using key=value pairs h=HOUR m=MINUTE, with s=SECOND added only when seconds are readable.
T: h=6 m=21
